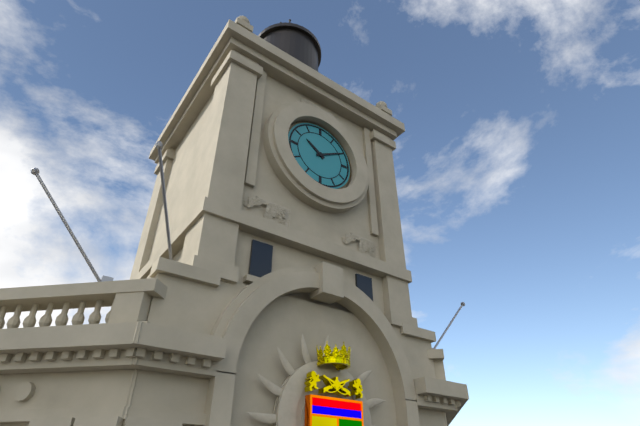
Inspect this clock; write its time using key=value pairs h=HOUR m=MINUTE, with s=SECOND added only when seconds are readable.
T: h=10 m=10
